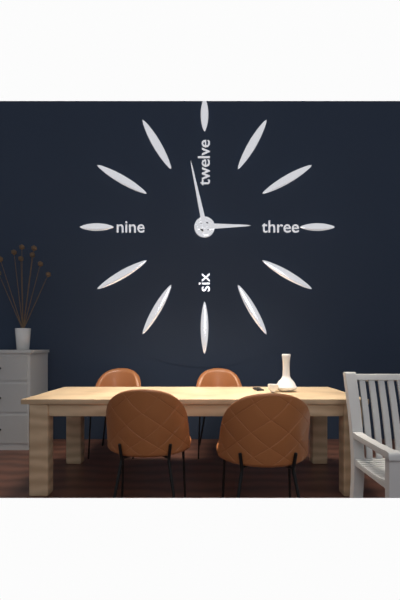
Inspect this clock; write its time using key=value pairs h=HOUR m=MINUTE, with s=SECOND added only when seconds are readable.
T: h=2 m=58
